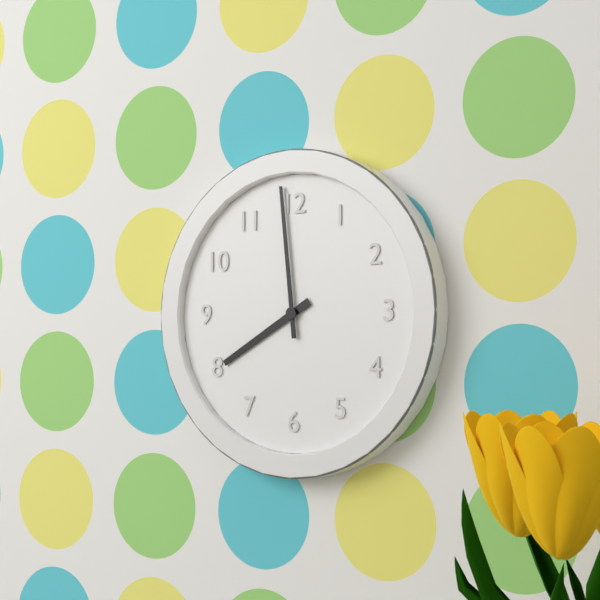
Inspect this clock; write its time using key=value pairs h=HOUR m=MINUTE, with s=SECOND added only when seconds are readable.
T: h=7 m=59
